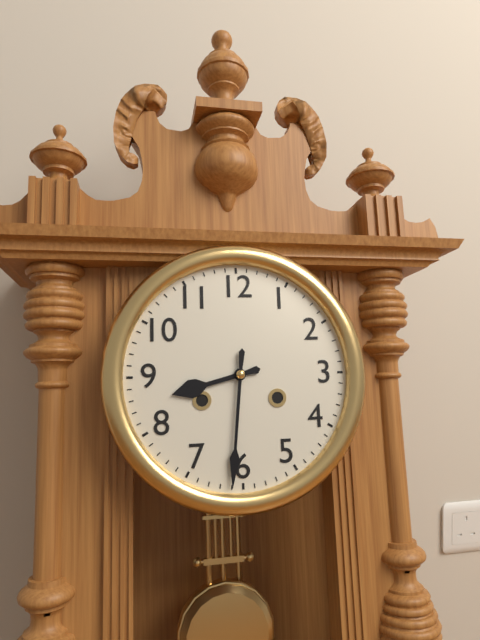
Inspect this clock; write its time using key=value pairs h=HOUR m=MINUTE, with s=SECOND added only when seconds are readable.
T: h=8 m=31
